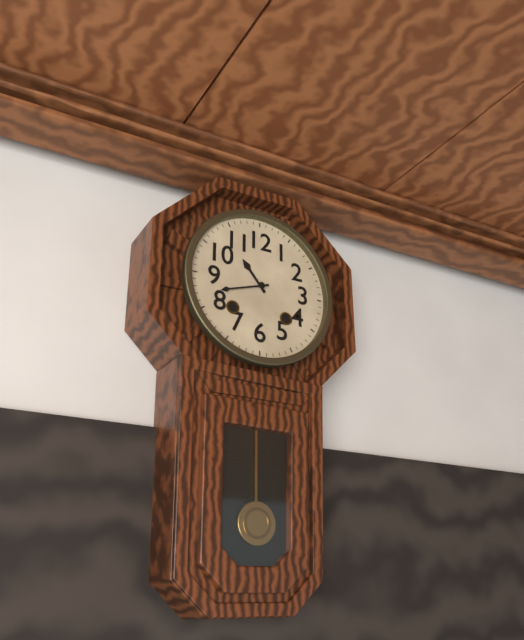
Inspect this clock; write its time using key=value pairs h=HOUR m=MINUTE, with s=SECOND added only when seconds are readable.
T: h=10 m=42
